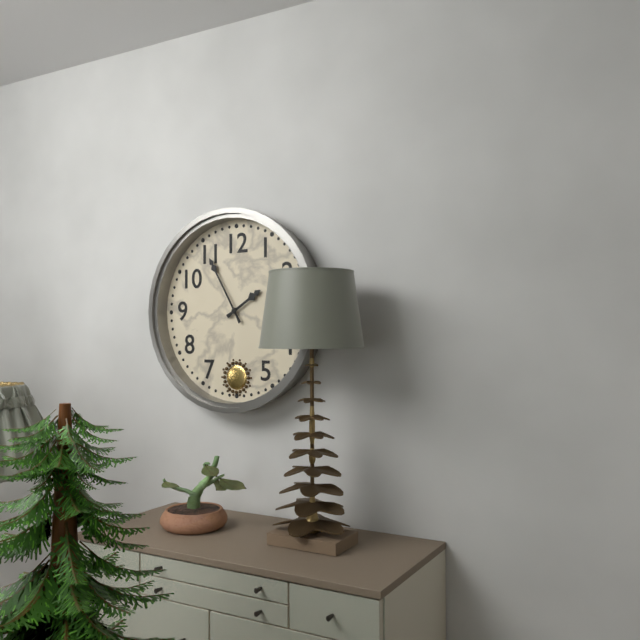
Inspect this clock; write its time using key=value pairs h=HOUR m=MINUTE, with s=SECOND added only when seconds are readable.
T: h=1 m=55
